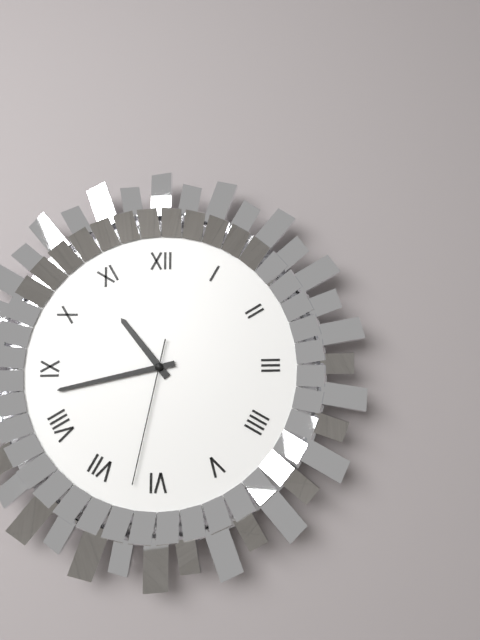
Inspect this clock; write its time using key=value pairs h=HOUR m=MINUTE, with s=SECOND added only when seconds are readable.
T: h=10 m=43 s=32
